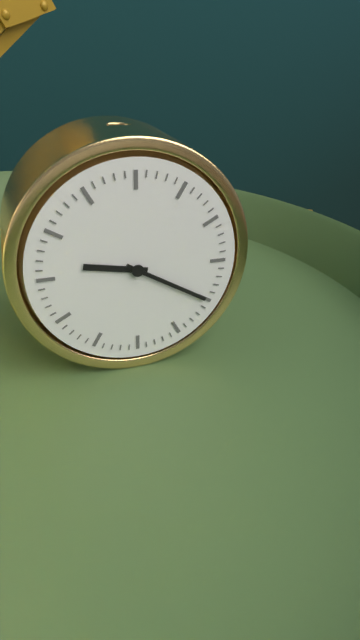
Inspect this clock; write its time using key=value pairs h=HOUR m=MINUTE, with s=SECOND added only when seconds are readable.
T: h=9 m=20
